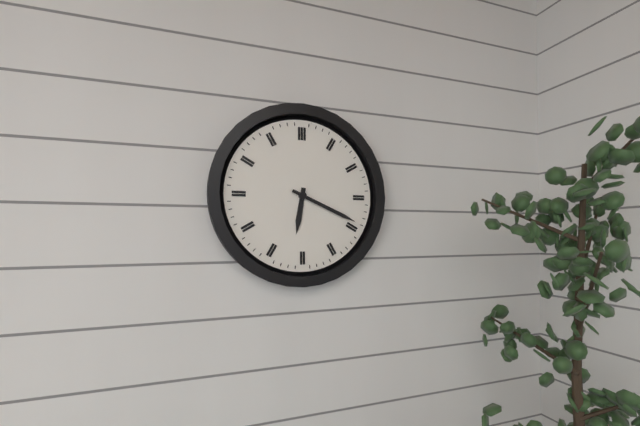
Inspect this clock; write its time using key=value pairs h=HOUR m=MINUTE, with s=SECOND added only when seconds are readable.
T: h=6 m=19
